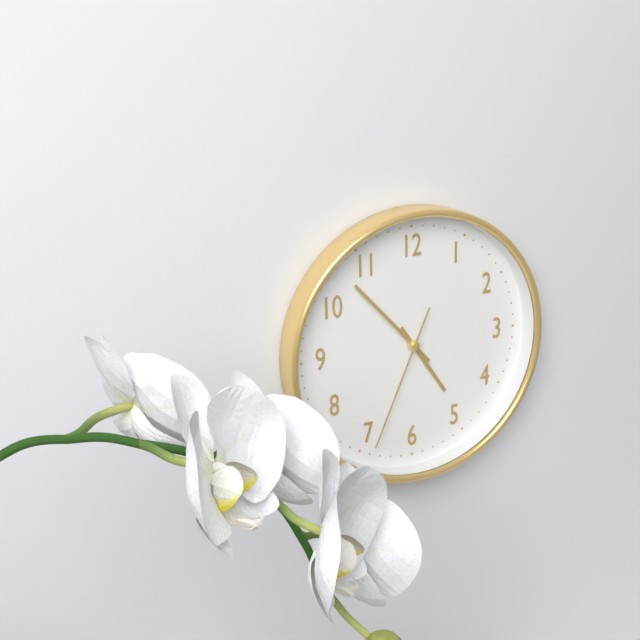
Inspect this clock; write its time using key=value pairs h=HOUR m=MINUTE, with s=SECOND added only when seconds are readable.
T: h=4 m=53 s=34
